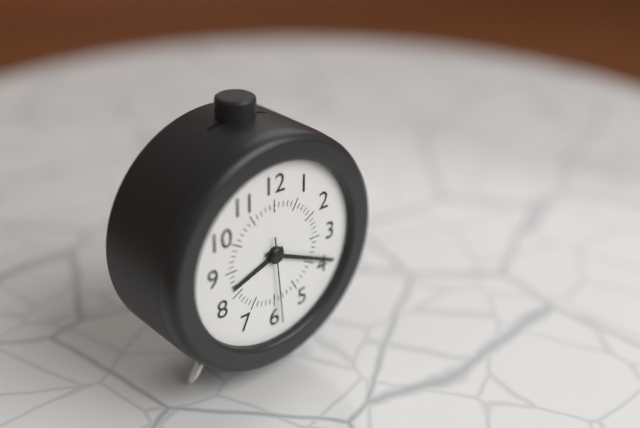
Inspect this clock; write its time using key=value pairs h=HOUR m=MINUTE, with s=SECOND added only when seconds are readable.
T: h=8 m=19 s=29
